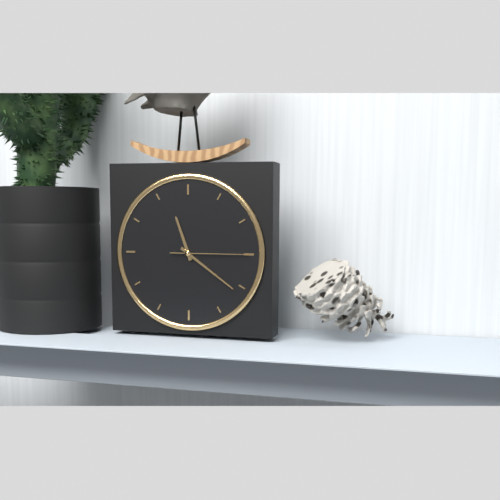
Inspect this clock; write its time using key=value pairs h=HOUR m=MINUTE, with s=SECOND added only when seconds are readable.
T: h=11 m=21 s=15
